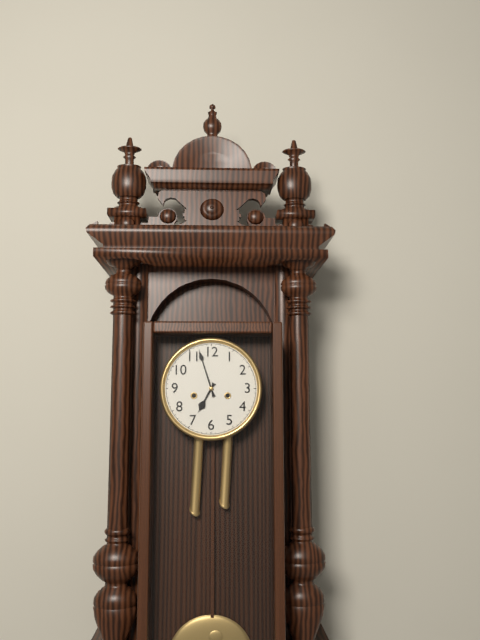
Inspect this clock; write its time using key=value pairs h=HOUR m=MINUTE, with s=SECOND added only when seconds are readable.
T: h=6 m=57
